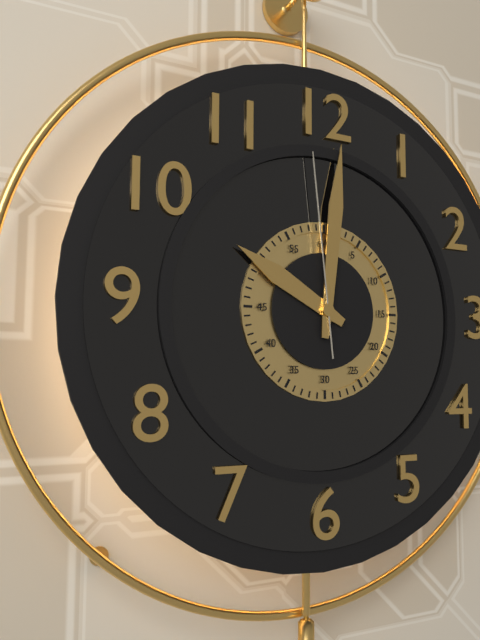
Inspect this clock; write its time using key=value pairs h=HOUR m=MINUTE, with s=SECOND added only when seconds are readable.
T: h=10 m=1 s=59
